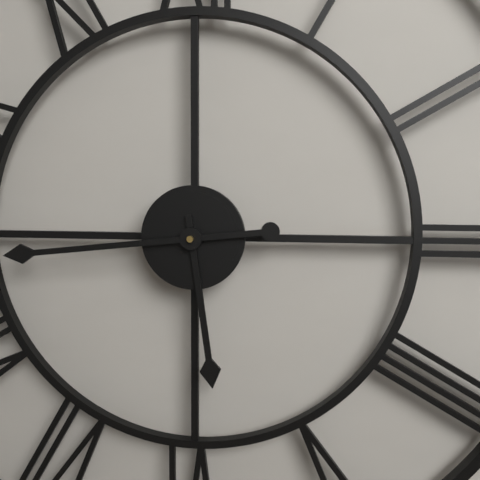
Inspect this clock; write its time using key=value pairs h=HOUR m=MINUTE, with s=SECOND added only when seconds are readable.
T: h=5 m=44
